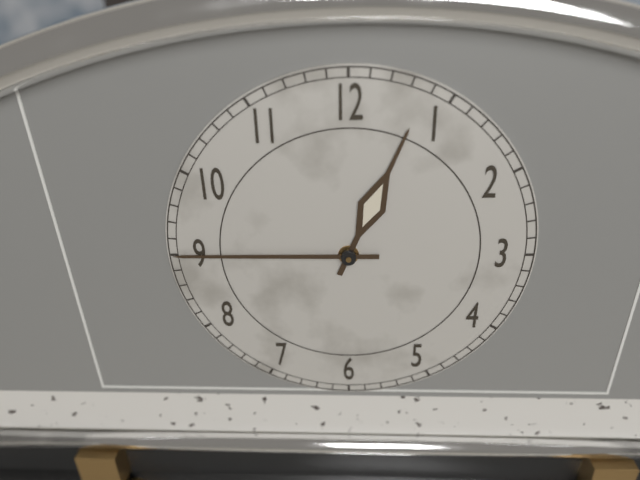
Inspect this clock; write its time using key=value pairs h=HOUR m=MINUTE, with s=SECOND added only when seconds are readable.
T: h=12 m=45
